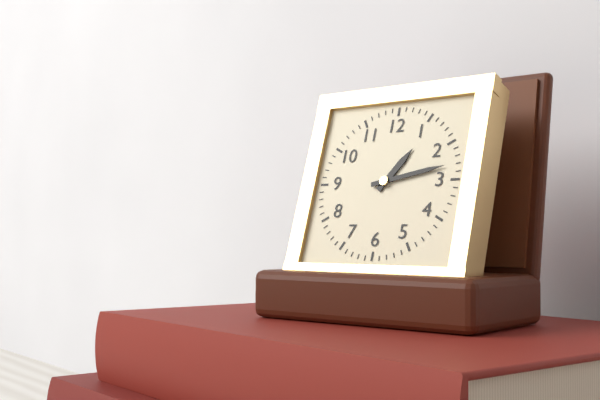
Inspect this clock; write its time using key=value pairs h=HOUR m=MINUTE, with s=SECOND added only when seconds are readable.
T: h=1 m=13
